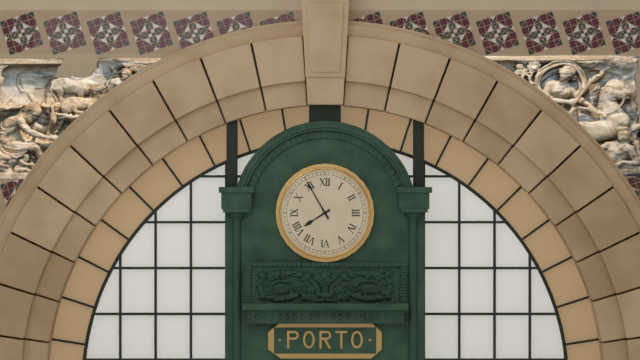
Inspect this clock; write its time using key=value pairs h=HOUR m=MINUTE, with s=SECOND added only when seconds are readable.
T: h=7 m=55
